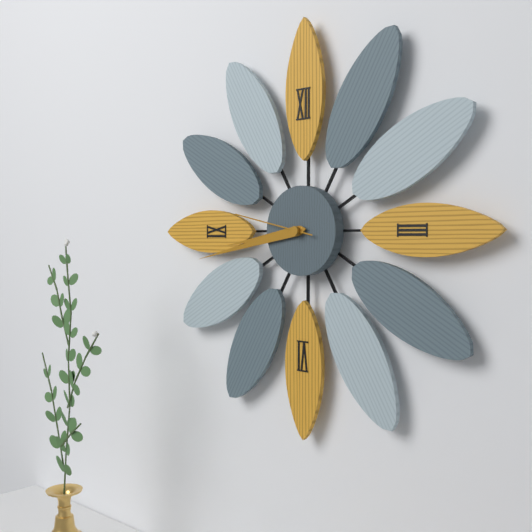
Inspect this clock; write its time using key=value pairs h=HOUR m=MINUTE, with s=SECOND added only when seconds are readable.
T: h=8 m=43 s=47
